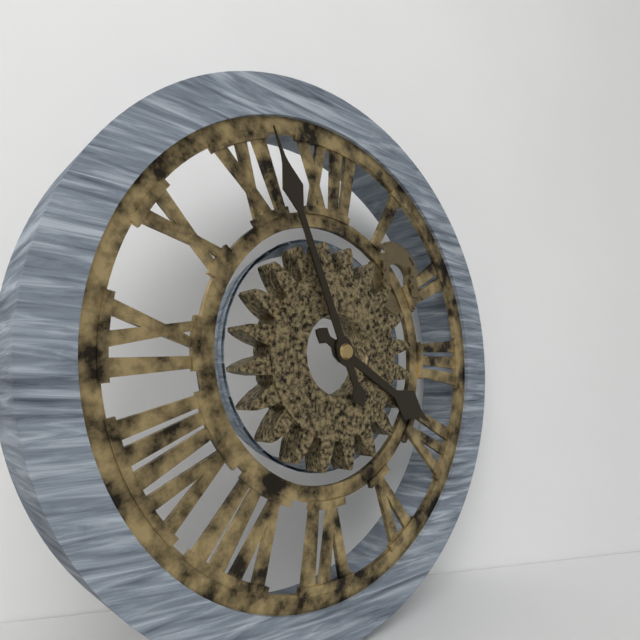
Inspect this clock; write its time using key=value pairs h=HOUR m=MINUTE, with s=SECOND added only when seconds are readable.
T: h=3 m=56
